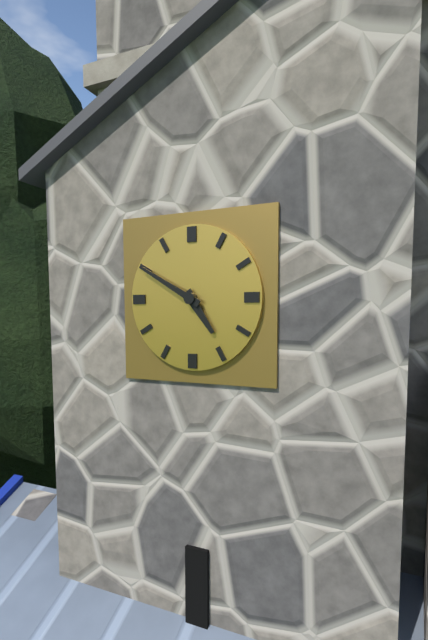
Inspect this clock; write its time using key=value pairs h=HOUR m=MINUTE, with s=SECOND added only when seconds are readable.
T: h=4 m=50
